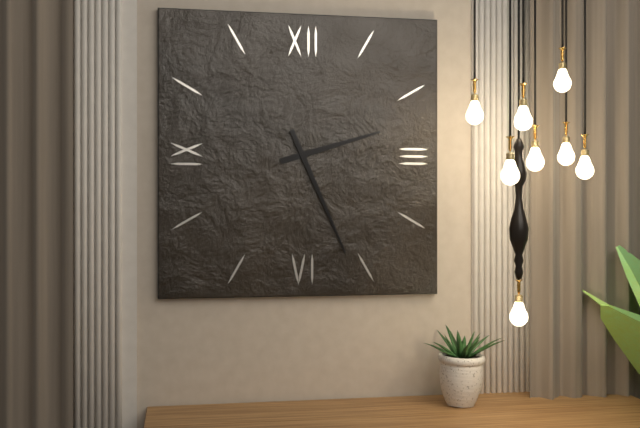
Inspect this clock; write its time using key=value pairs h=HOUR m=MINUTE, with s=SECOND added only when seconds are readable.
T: h=2 m=26
